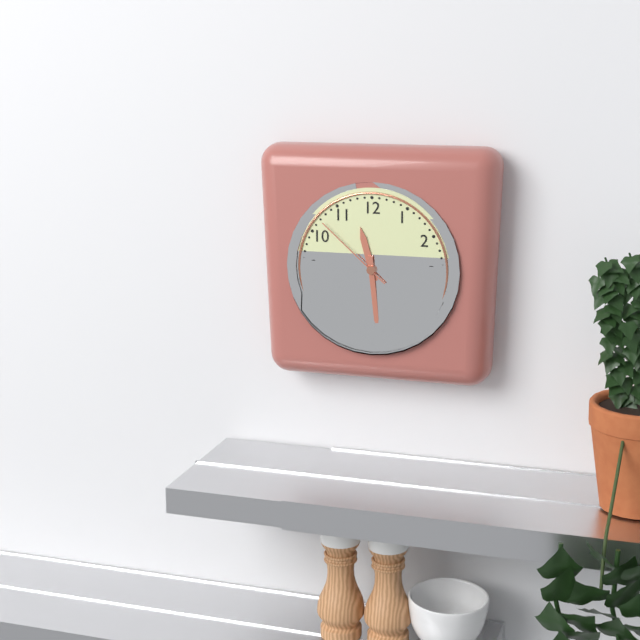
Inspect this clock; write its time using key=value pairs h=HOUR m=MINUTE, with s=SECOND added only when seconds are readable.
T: h=11 m=29 s=52
